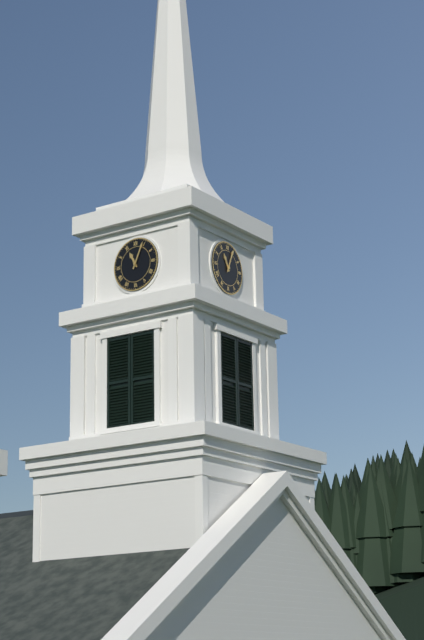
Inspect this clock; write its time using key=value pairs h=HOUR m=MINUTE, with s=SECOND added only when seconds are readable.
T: h=11 m=4
